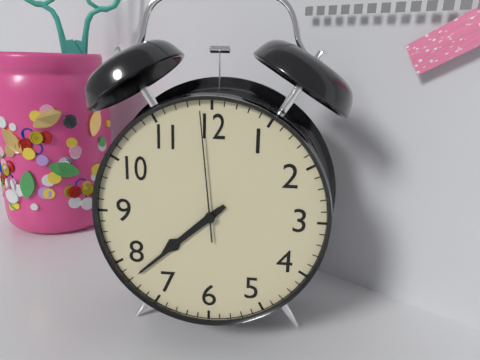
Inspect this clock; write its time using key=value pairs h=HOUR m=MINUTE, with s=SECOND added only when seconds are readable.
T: h=7 m=38 s=59
